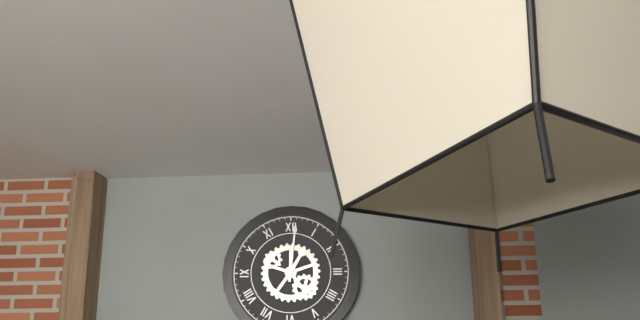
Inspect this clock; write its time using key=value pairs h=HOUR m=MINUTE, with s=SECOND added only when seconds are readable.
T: h=1 m=1
